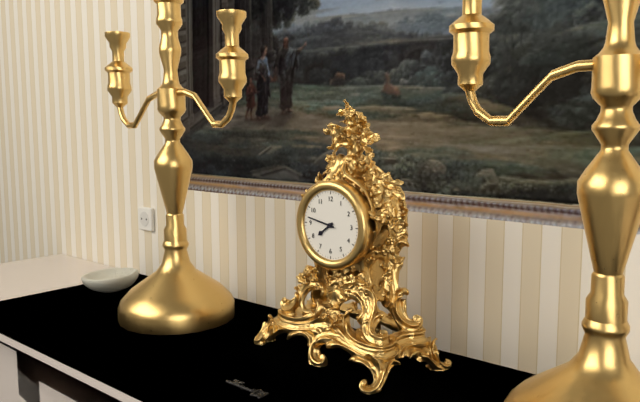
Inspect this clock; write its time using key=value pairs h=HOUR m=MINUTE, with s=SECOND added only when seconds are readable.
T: h=7 m=47
